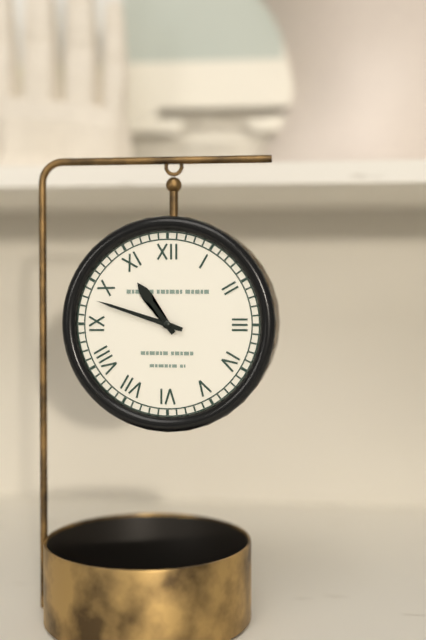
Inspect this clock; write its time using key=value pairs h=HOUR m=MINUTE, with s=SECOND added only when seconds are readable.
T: h=10 m=48
